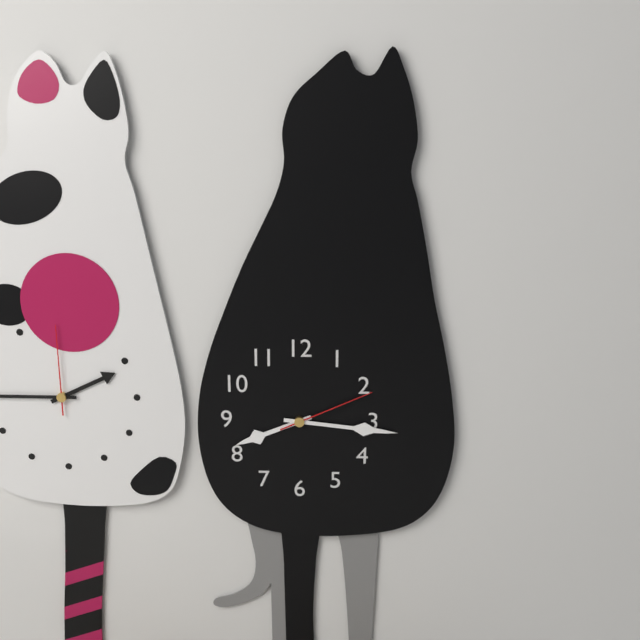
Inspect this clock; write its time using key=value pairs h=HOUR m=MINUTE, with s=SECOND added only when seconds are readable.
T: h=8 m=16 s=11
